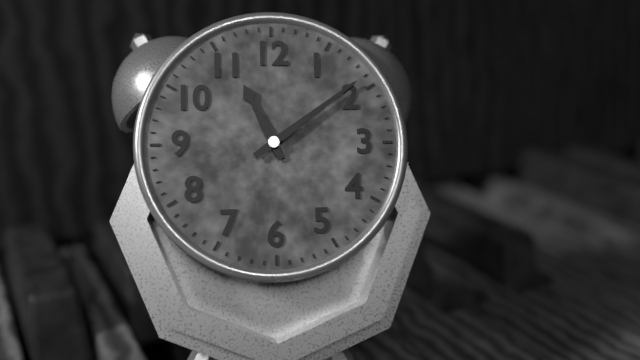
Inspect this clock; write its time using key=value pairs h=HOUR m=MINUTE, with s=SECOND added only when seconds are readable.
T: h=11 m=9
